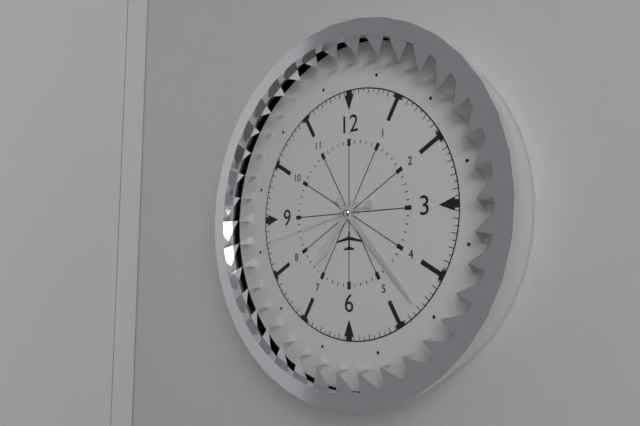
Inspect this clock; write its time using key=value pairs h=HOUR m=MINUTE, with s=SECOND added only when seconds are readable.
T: h=7 m=23 s=43
